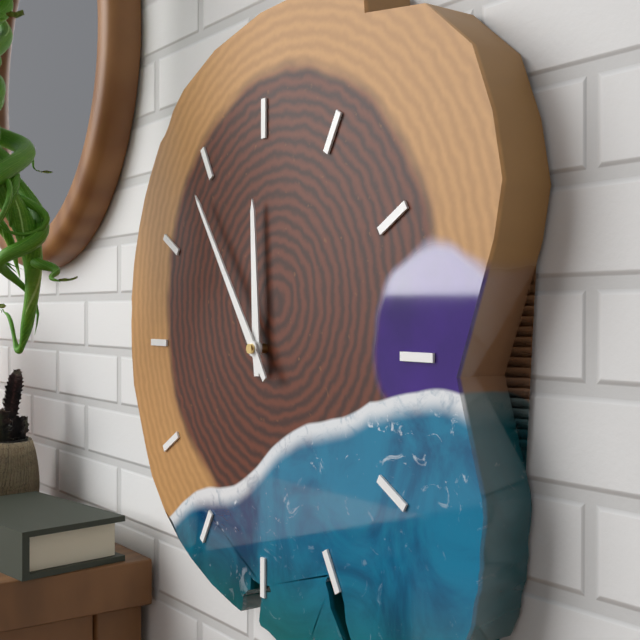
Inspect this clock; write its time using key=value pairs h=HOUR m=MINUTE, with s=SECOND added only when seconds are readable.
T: h=11 m=54
